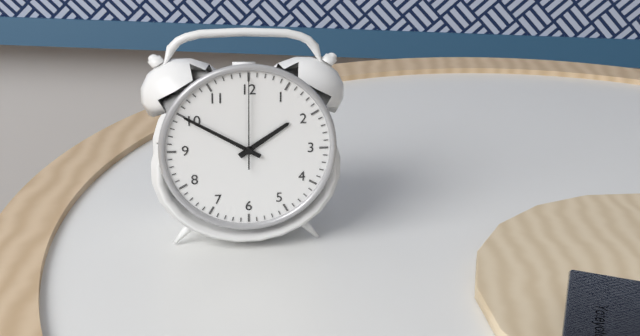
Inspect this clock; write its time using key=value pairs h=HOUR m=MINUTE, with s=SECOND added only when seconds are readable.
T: h=1 m=50 s=0
